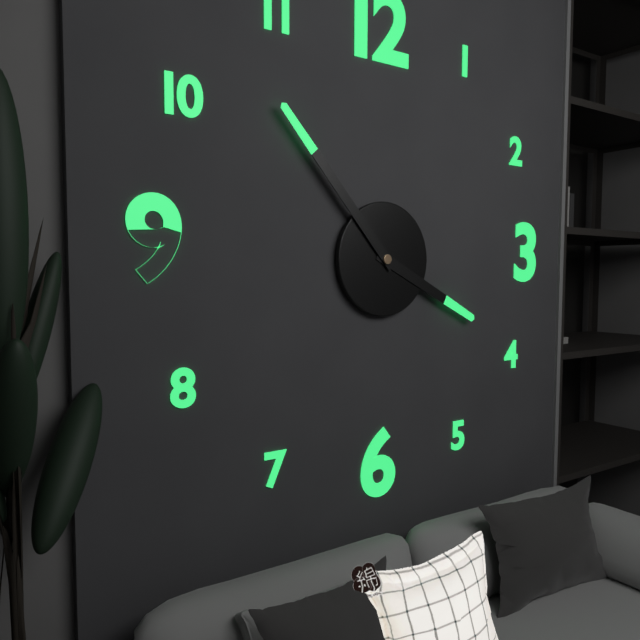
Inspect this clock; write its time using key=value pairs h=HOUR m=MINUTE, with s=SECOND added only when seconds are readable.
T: h=3 m=53
